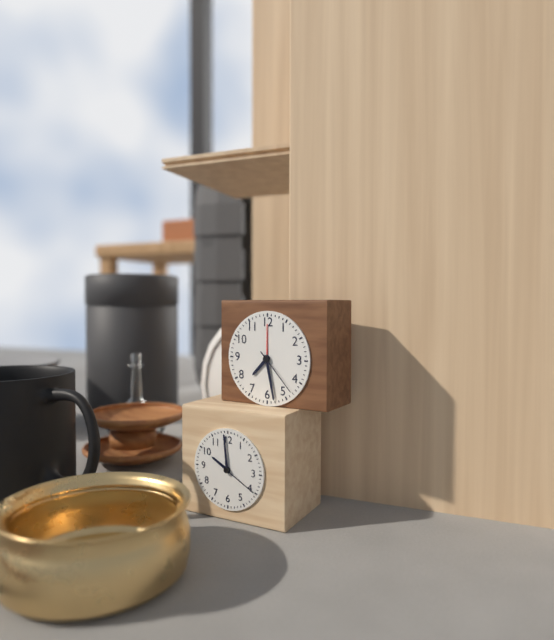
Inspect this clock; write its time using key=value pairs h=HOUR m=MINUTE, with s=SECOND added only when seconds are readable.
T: h=7 m=28 s=23
